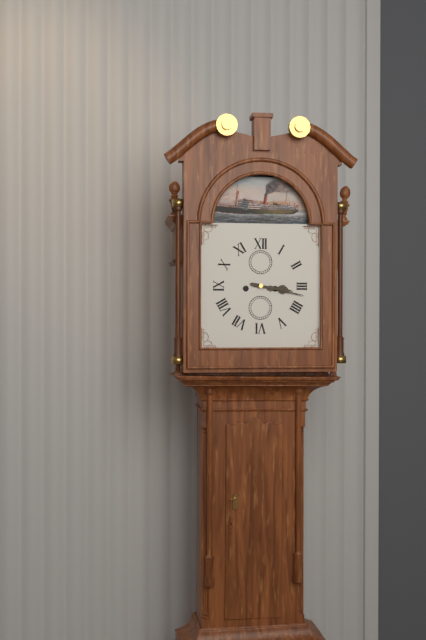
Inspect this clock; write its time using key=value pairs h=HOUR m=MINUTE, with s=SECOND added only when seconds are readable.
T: h=3 m=17
